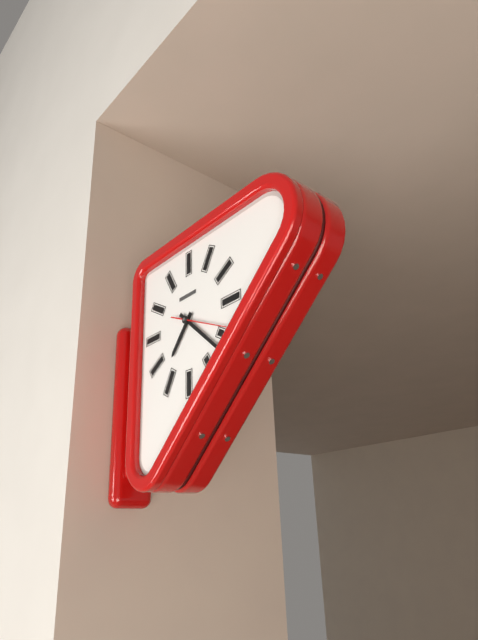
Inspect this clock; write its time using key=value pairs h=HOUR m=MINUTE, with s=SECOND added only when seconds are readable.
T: h=7 m=22 s=19
